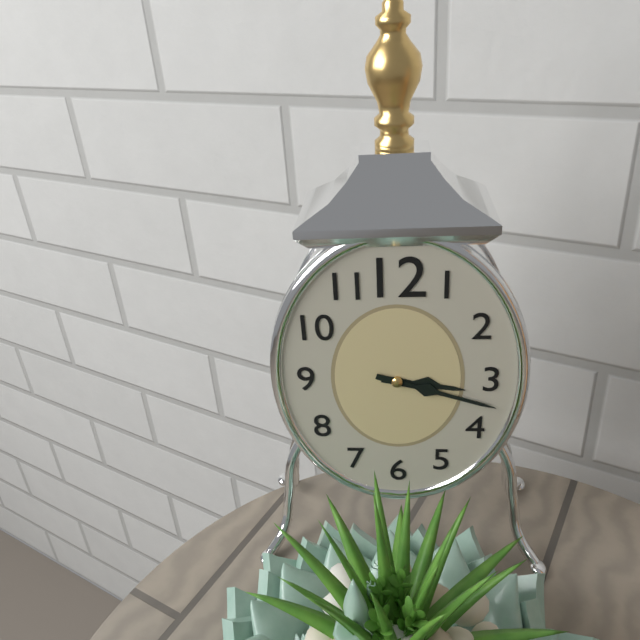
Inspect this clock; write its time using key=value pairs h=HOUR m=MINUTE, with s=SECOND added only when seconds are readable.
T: h=3 m=18
